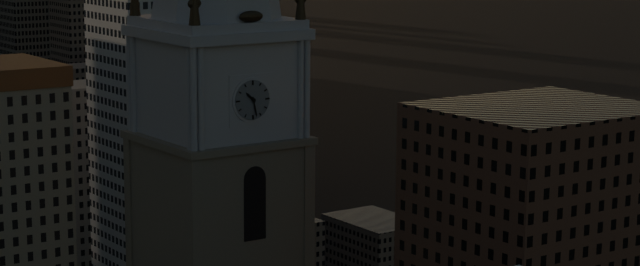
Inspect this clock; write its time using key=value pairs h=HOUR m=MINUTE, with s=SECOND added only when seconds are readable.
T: h=10 m=28
